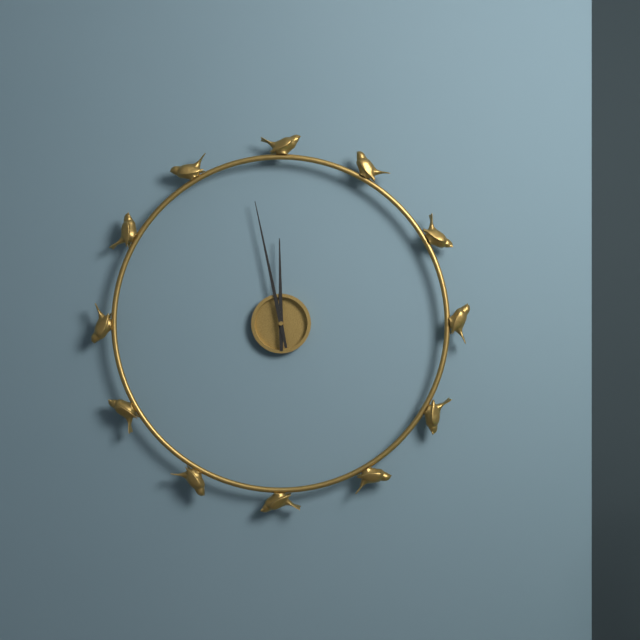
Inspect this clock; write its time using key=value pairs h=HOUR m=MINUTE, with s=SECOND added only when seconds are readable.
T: h=11 m=58
